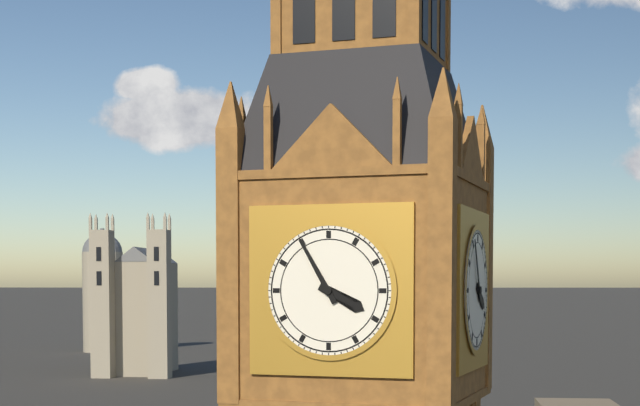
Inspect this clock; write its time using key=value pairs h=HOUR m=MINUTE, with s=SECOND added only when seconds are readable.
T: h=3 m=55
